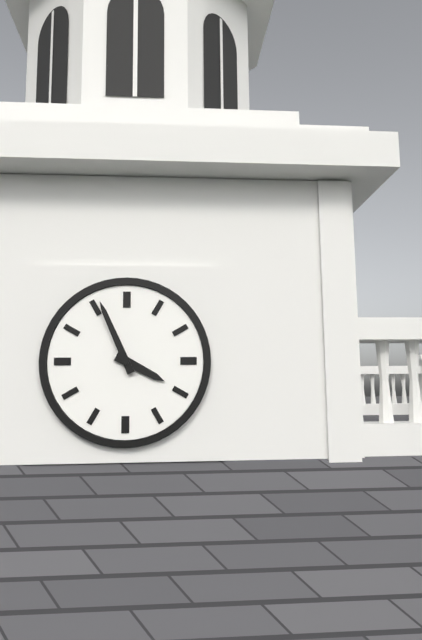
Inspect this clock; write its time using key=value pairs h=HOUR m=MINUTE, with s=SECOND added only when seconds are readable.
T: h=3 m=56
